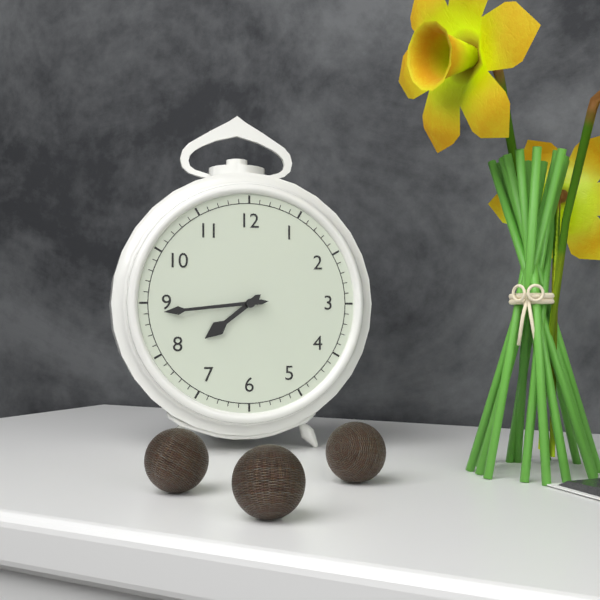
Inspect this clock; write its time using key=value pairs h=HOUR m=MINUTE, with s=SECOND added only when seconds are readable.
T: h=7 m=44
